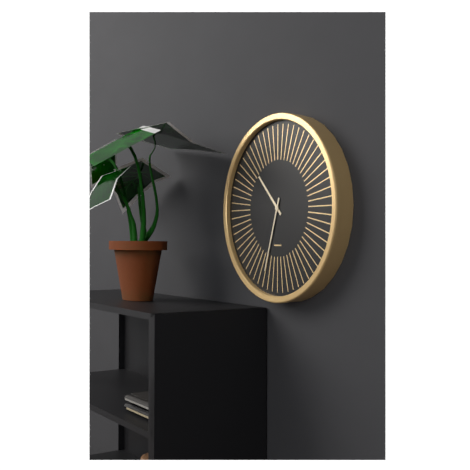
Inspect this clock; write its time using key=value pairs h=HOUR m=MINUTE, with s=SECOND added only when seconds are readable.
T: h=10 m=33
